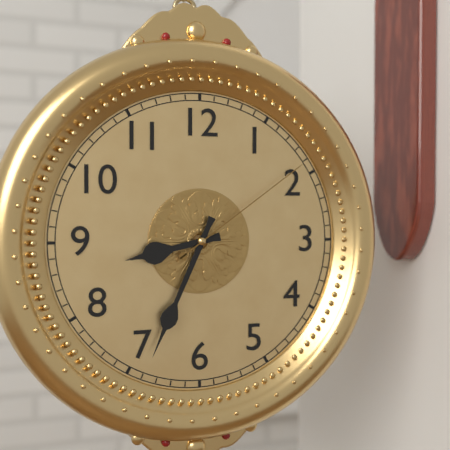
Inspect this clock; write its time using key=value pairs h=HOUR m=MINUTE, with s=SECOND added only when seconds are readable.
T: h=8 m=34 s=9
